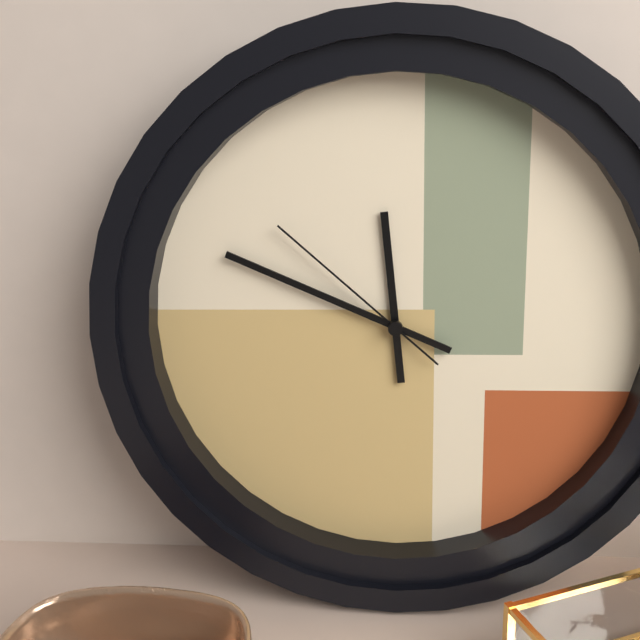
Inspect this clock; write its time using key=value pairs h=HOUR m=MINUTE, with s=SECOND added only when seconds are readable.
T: h=11 m=49 s=52
